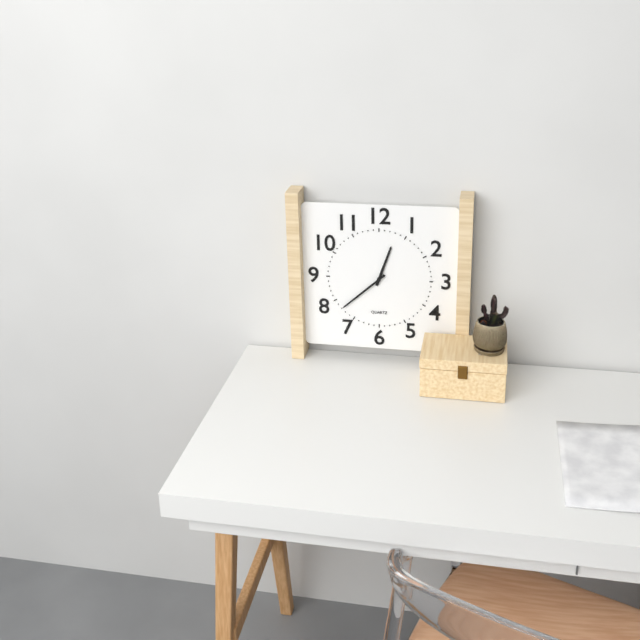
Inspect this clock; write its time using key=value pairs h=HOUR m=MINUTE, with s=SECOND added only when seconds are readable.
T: h=12 m=38
